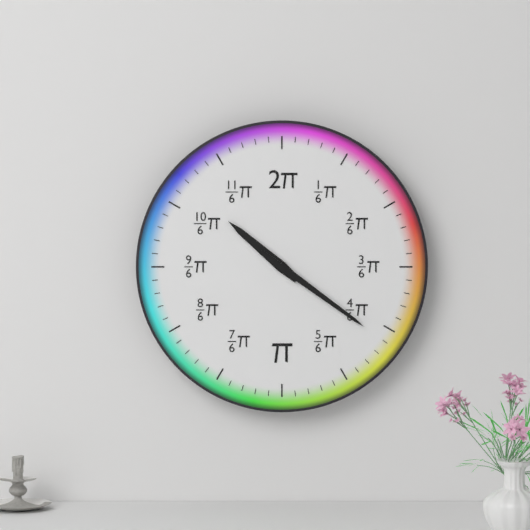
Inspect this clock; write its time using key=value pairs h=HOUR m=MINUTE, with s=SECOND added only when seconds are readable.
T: h=10 m=21
